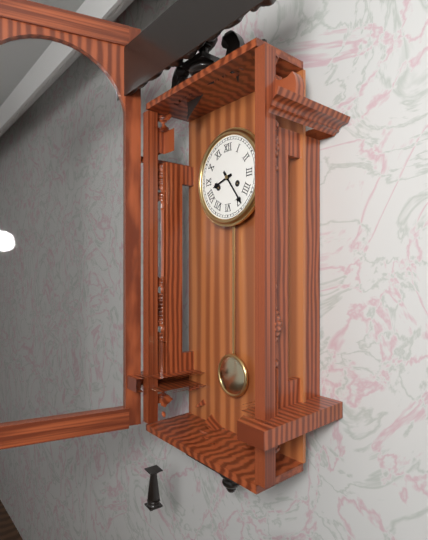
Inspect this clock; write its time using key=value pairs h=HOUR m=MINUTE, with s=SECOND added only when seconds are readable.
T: h=8 m=24
